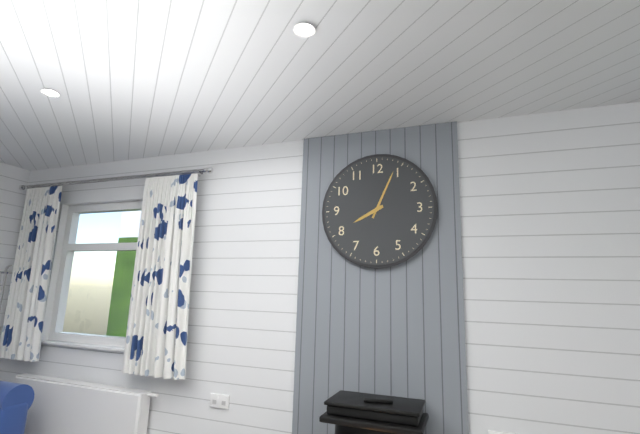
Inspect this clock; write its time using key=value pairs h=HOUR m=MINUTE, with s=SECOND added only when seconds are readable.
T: h=8 m=4
